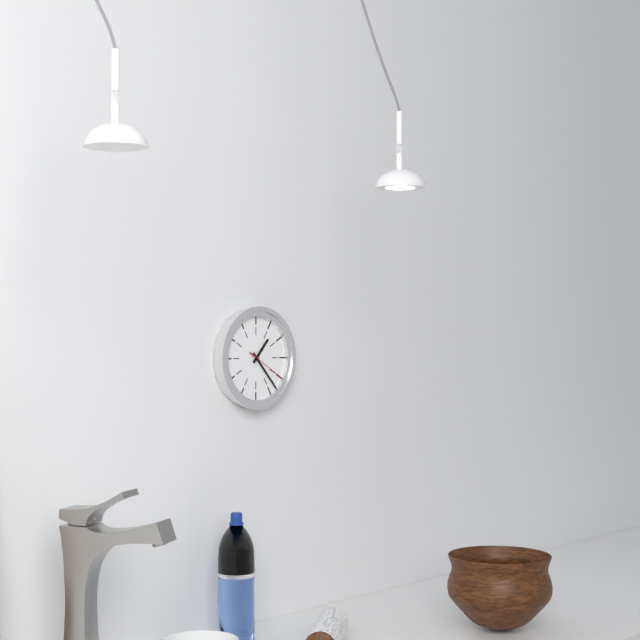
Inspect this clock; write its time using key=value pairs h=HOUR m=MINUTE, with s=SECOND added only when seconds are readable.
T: h=1 m=23
